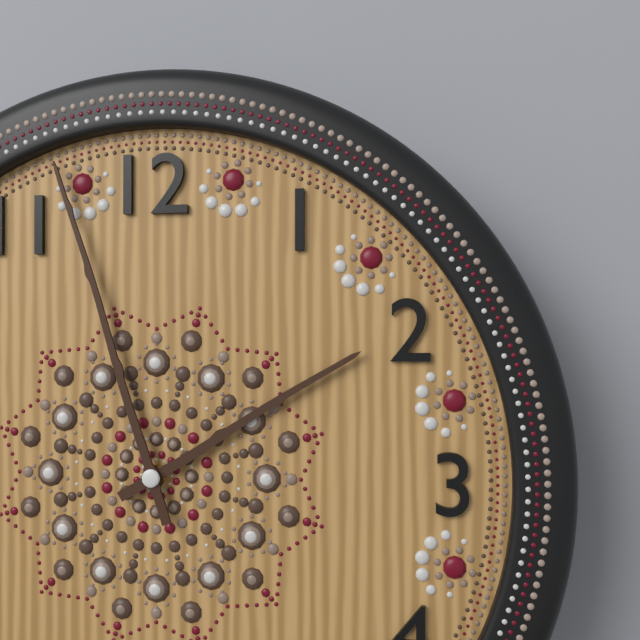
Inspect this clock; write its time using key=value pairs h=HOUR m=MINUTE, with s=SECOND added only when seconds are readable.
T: h=1 m=57
